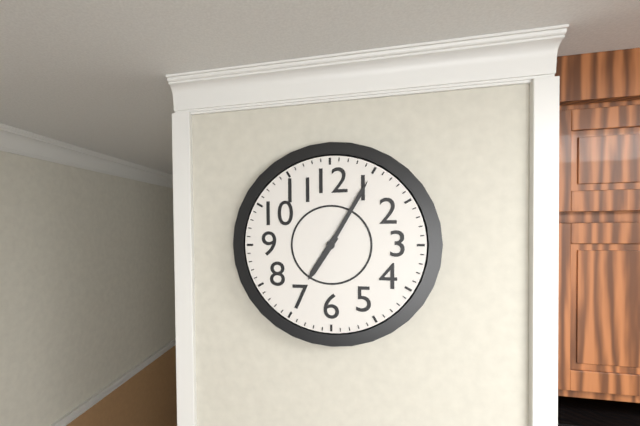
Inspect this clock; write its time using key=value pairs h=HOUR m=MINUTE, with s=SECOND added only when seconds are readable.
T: h=7 m=5
